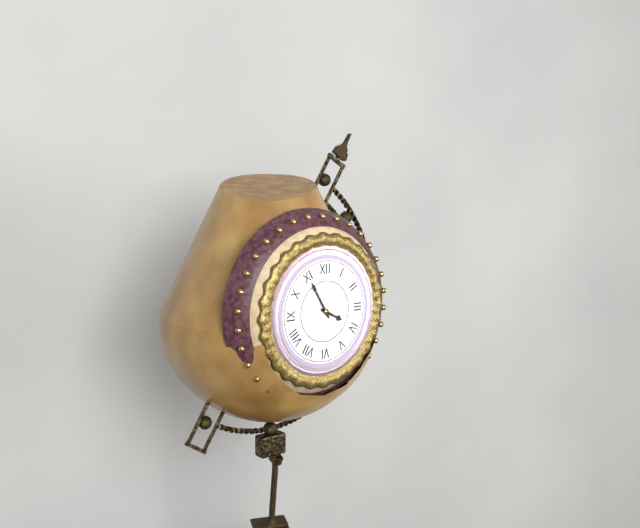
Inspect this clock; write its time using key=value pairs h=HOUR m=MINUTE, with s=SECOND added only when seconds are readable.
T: h=3 m=55
